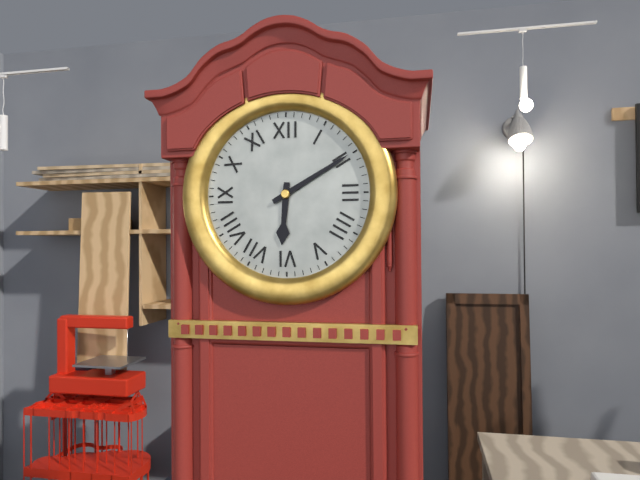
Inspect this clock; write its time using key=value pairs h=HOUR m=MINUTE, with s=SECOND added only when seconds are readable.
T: h=6 m=10
